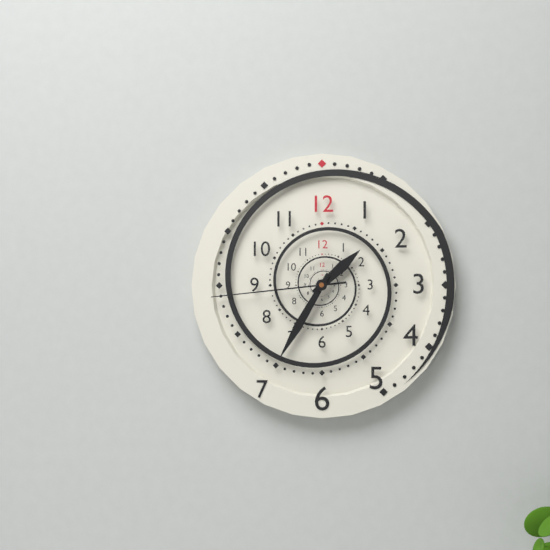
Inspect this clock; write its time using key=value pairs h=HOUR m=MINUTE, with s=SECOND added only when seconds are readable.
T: h=1 m=35 s=44
